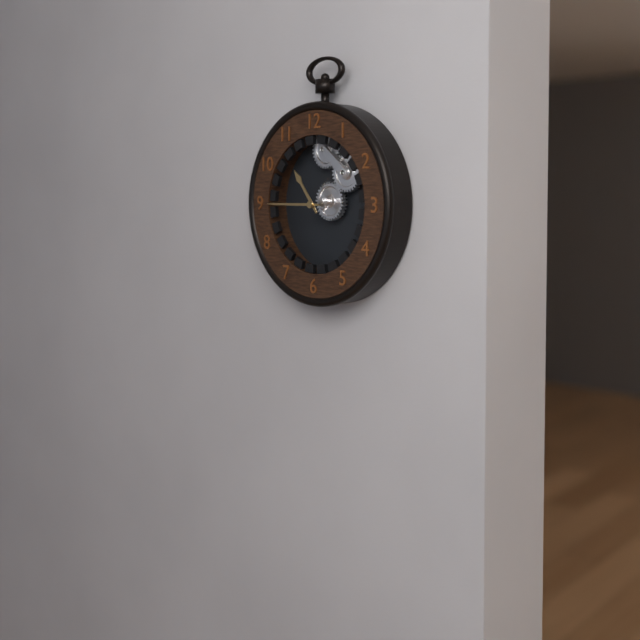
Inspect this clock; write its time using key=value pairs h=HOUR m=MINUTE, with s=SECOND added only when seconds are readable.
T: h=10 m=45
